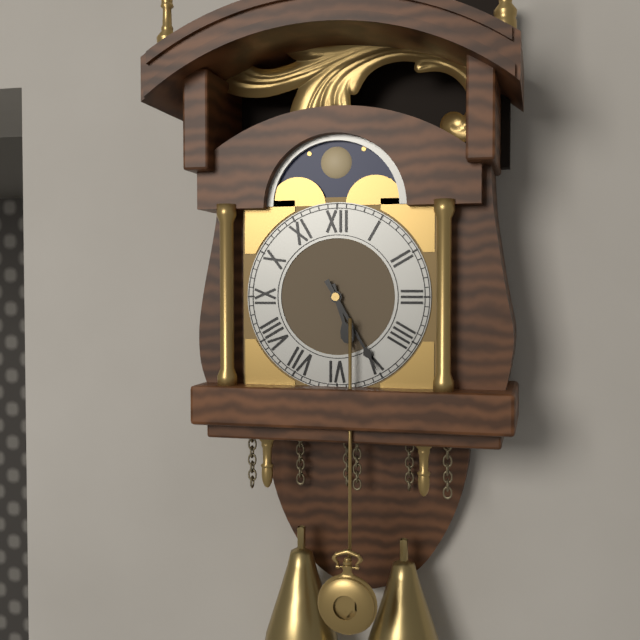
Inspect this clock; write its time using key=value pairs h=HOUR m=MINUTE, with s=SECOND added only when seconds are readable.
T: h=5 m=25
